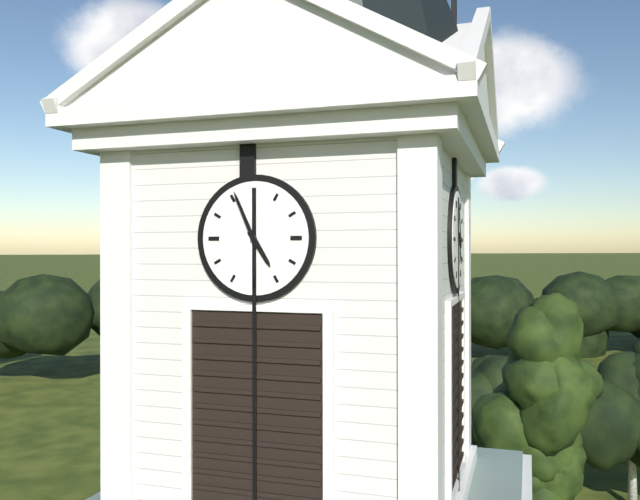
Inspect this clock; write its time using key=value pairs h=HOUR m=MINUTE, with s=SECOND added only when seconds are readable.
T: h=4 m=56
